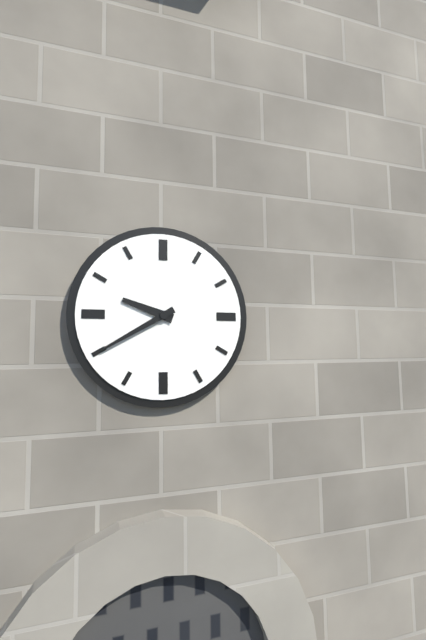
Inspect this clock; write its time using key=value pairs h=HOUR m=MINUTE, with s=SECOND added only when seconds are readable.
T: h=9 m=40
